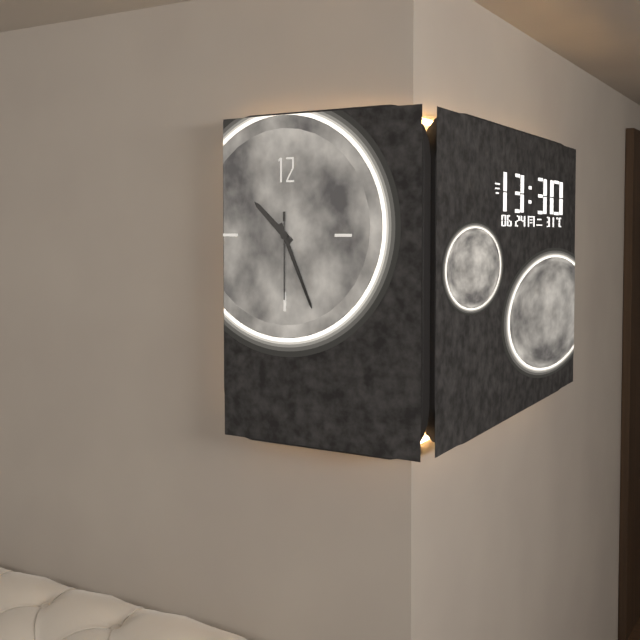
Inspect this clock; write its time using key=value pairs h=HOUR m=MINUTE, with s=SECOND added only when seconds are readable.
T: h=10 m=26 s=30
